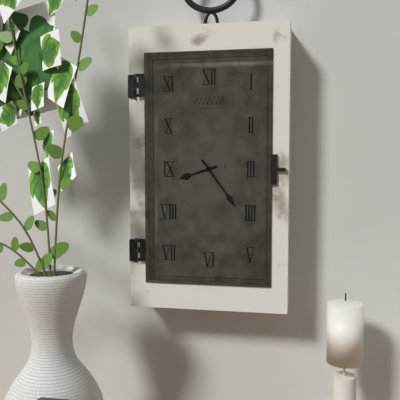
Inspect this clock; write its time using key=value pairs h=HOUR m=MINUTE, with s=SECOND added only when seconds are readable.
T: h=8 m=24
